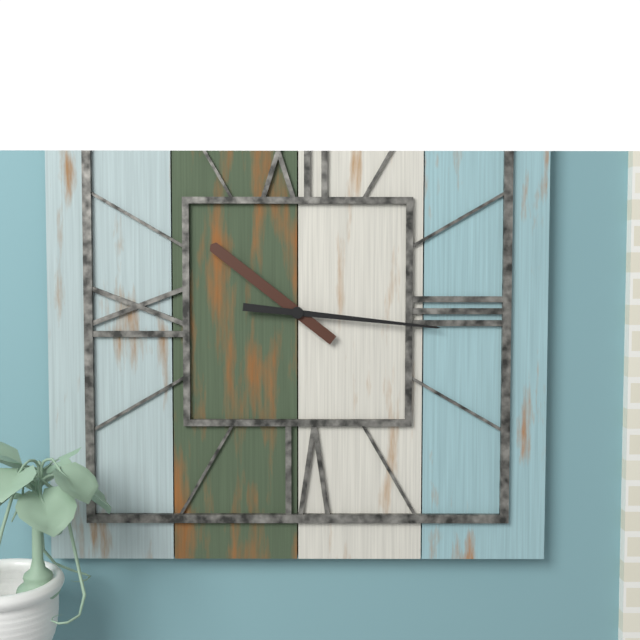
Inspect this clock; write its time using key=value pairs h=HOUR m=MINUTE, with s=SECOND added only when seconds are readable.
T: h=10 m=16
